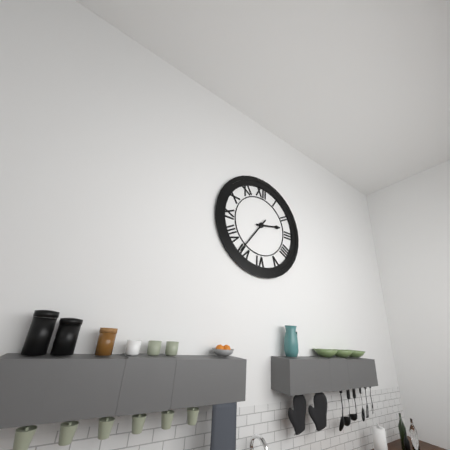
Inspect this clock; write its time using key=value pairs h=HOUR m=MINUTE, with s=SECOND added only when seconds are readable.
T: h=2 m=36
